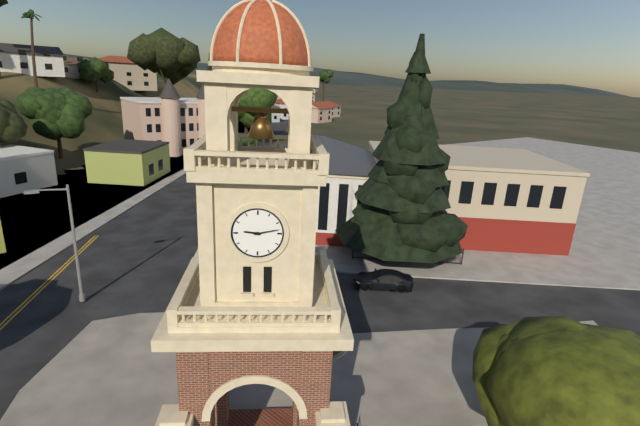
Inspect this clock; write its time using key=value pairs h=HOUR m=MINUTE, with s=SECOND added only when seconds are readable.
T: h=9 m=13
